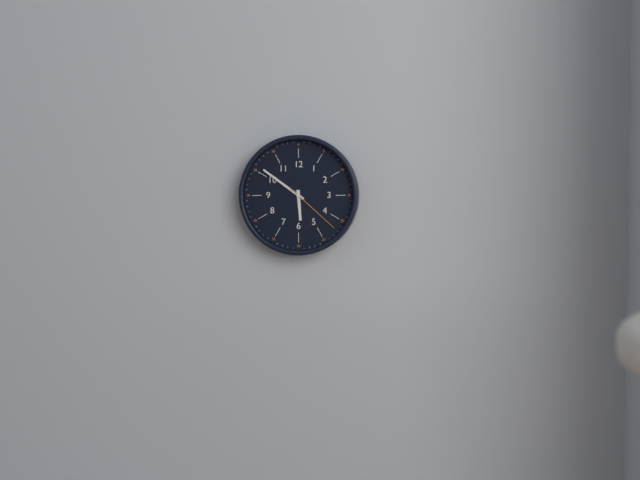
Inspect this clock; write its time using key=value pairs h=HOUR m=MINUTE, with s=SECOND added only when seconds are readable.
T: h=5 m=51 s=22
